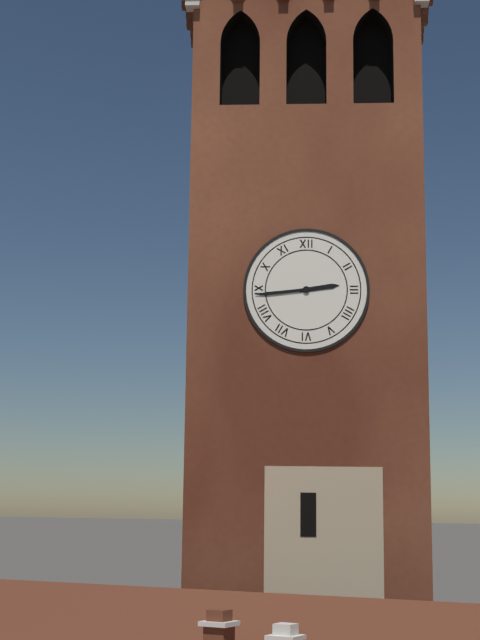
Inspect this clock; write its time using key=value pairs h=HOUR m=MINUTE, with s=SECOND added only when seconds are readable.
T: h=2 m=44
